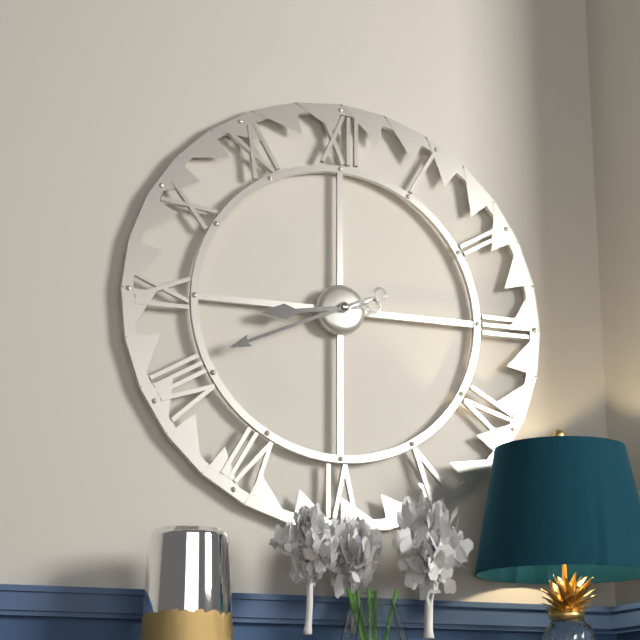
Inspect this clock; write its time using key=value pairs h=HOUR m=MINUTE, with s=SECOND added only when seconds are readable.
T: h=8 m=41
